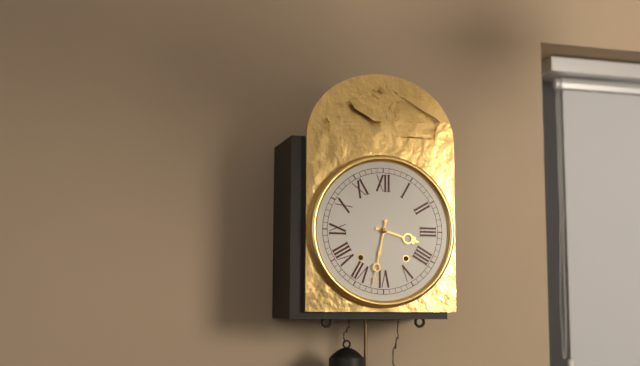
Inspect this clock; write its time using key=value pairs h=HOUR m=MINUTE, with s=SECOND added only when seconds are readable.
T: h=3 m=32
